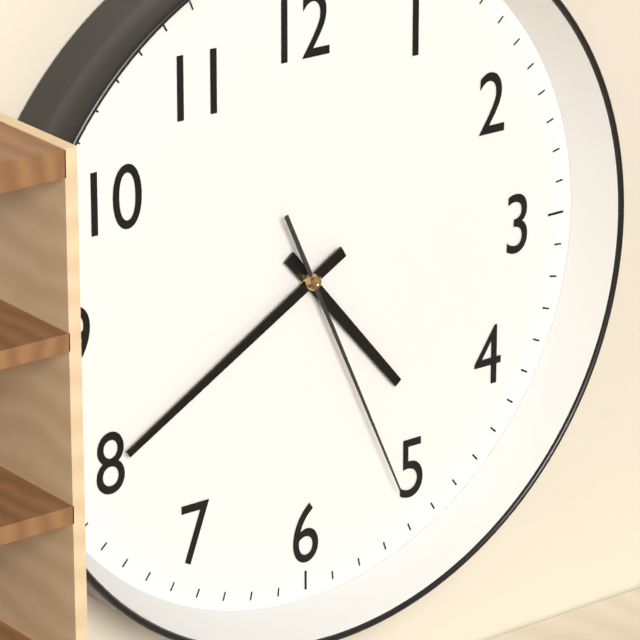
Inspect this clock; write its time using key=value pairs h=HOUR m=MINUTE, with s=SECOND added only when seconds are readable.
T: h=4 m=40 s=26
